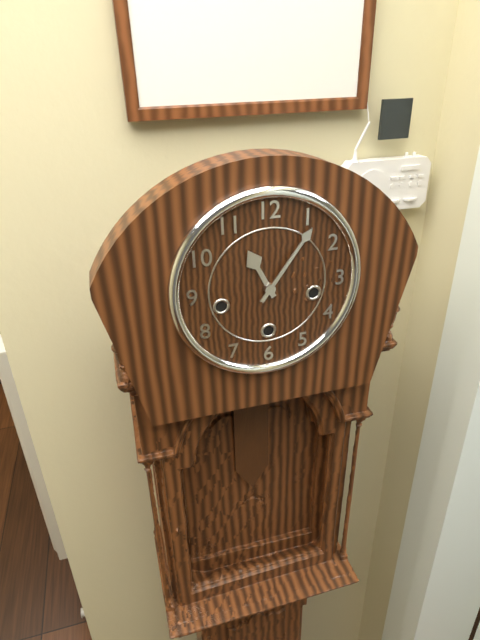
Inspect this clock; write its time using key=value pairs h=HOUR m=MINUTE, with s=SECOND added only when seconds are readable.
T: h=11 m=6
